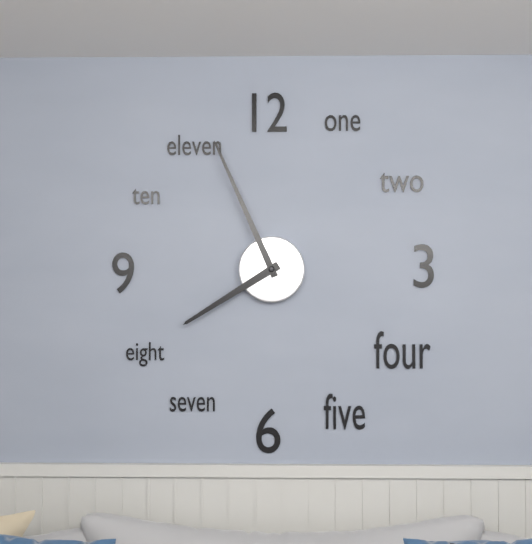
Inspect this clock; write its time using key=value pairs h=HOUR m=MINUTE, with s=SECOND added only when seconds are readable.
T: h=7 m=56
